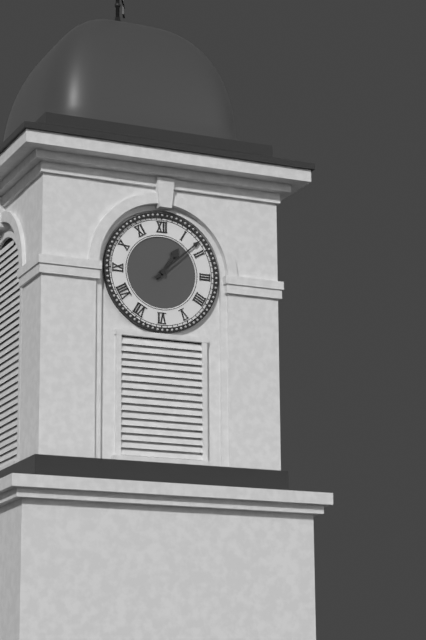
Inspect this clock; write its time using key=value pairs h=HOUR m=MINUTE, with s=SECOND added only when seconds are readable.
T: h=1 m=8
